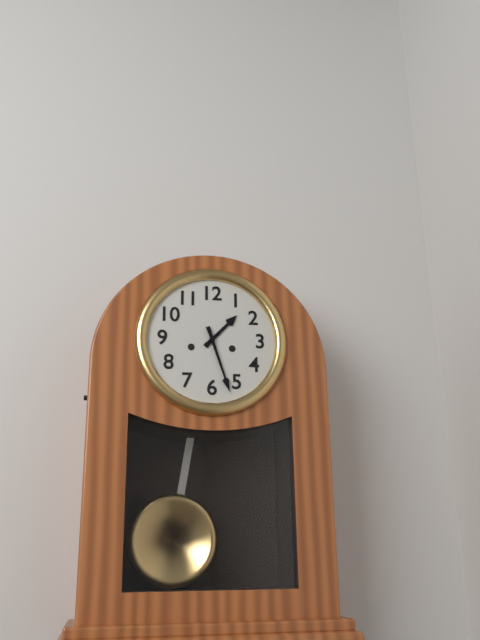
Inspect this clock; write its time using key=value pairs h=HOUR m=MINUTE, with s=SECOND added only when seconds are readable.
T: h=1 m=27
